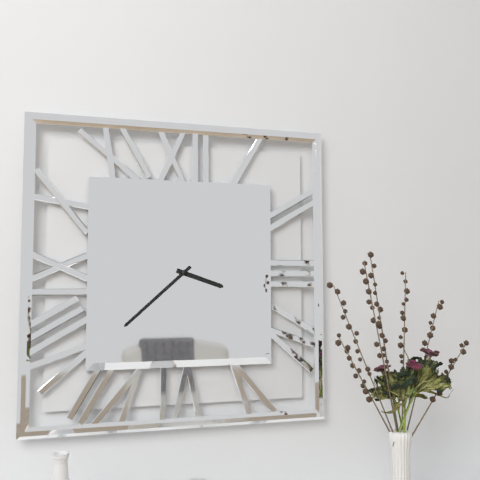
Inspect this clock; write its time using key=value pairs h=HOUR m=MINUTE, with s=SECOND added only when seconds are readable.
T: h=3 m=38
